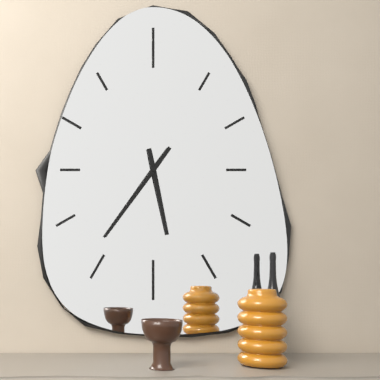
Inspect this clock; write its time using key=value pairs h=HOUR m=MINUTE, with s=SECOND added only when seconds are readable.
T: h=5 m=36
